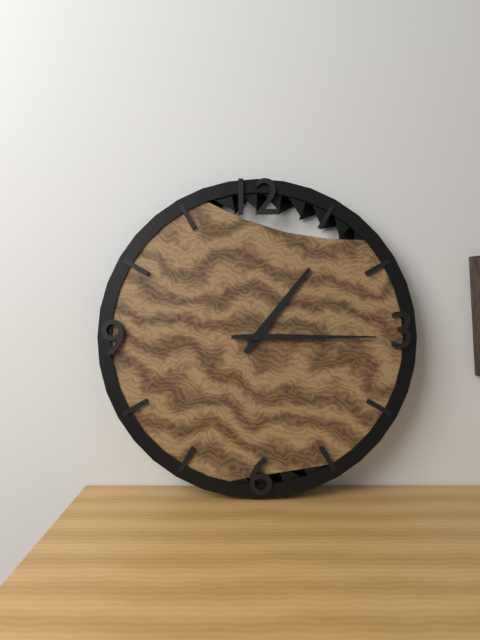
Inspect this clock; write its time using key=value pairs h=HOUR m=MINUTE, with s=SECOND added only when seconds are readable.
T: h=1 m=15
